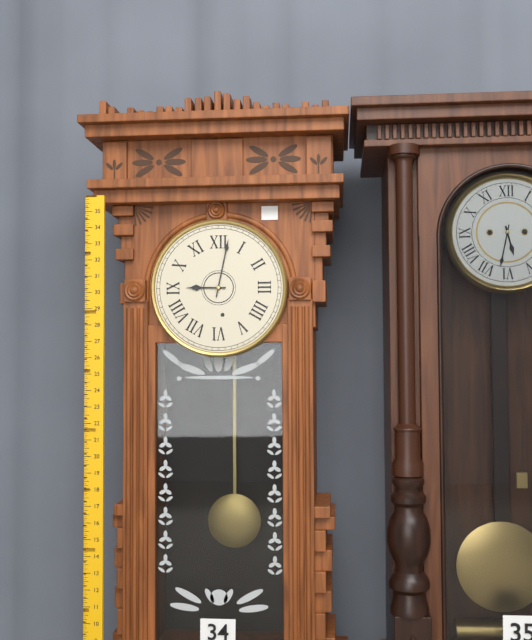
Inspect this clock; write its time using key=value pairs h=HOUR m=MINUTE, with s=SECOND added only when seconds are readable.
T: h=9 m=2
